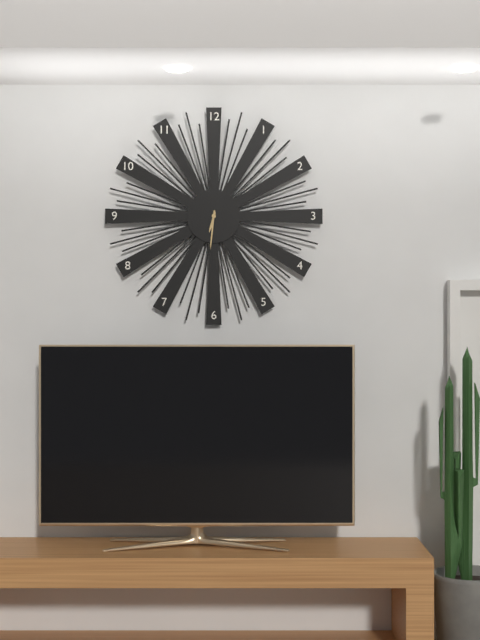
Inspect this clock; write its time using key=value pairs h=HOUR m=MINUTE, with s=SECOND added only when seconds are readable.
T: h=6 m=31
